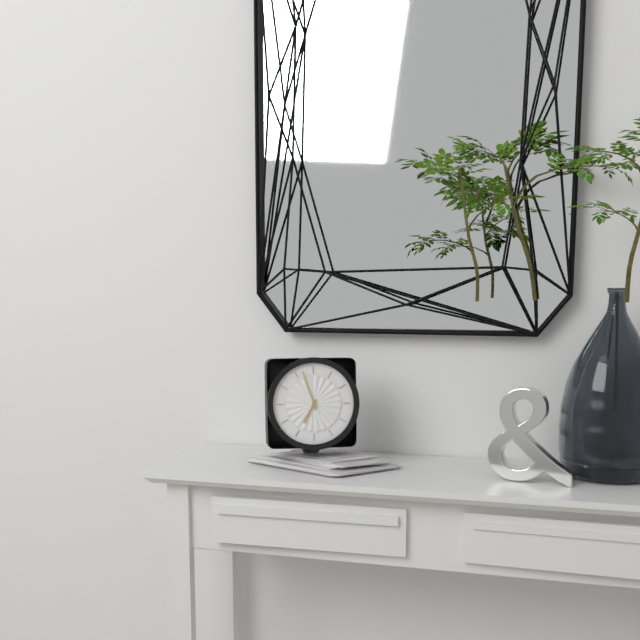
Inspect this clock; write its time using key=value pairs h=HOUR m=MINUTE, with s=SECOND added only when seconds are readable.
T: h=6 m=57
